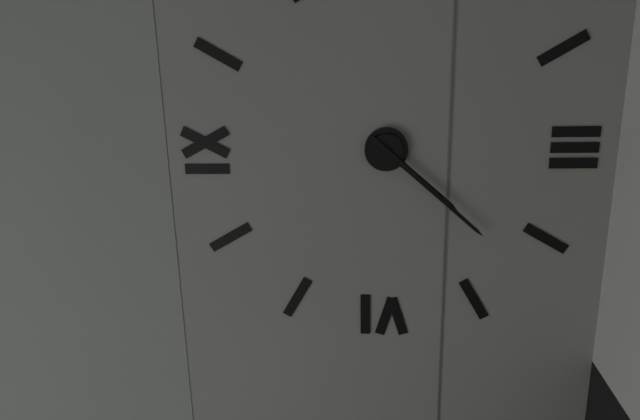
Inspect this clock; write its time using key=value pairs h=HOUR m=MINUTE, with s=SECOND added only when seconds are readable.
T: h=4 m=22
